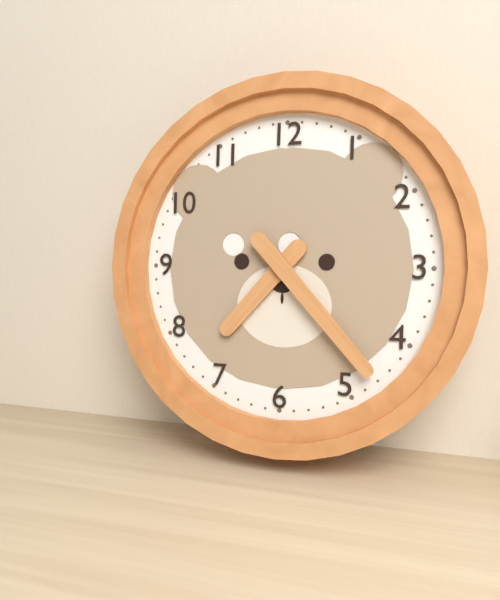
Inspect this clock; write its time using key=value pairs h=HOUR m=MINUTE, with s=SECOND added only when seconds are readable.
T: h=7 m=23
